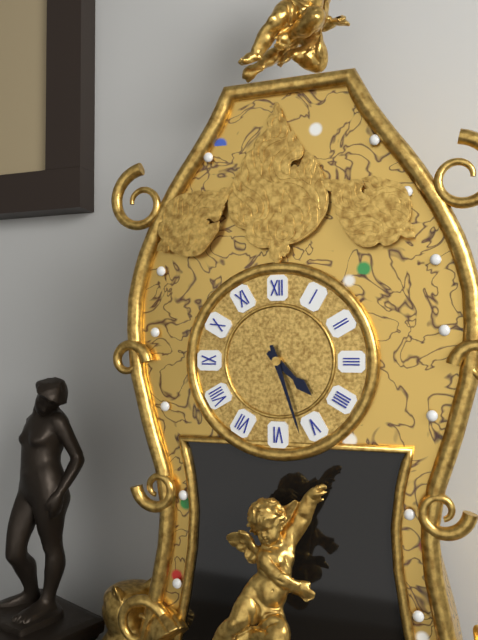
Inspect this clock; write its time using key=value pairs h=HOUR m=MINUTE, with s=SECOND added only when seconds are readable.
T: h=4 m=27
